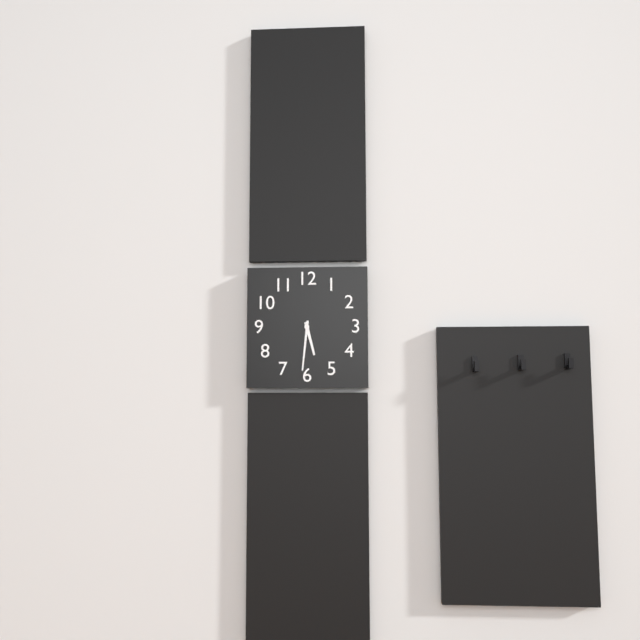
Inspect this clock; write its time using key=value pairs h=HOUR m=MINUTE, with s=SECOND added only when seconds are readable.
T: h=5 m=31
